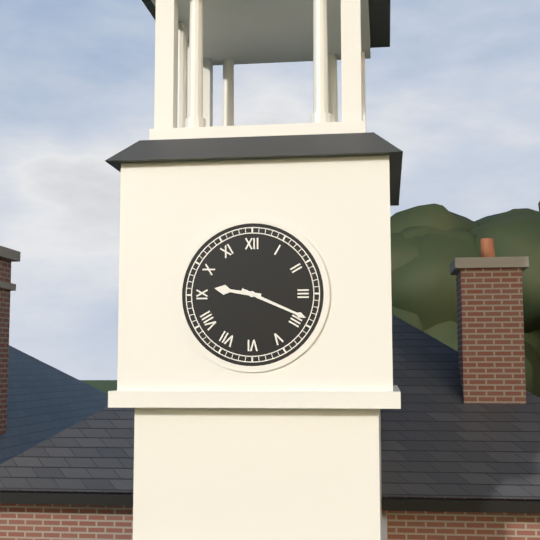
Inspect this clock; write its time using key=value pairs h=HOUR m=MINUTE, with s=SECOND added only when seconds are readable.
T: h=9 m=19
